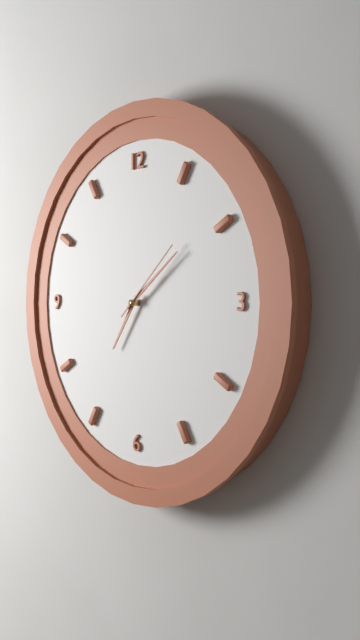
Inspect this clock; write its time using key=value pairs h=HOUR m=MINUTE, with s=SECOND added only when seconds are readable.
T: h=7 m=9 s=8
